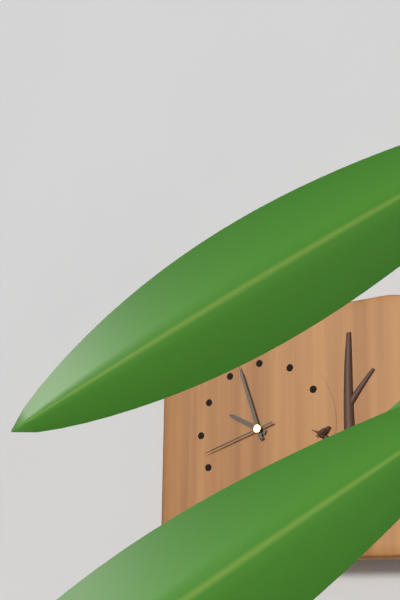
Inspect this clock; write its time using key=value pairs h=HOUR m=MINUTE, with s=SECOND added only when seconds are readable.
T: h=9 m=57 s=42
